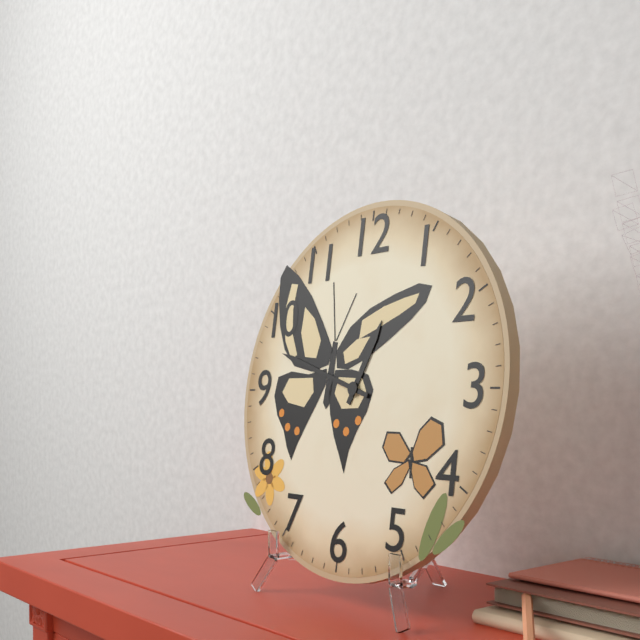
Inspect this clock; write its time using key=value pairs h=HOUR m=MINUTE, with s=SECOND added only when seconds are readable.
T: h=12 m=48
